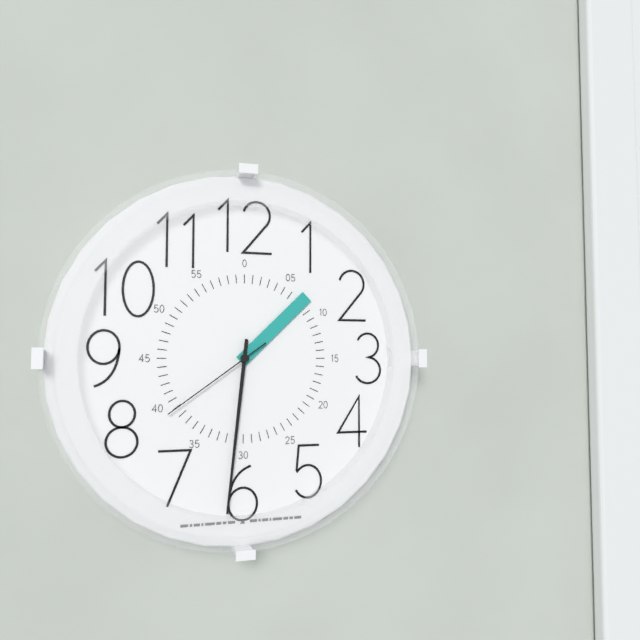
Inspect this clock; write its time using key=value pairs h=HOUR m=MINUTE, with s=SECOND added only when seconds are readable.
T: h=1 m=31 s=39
